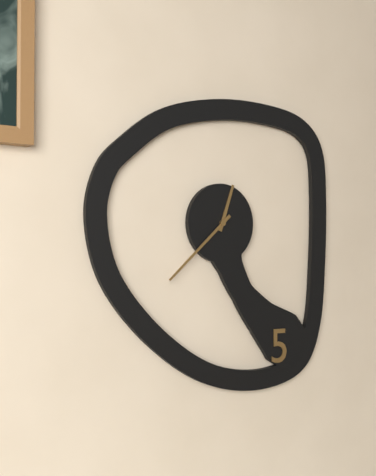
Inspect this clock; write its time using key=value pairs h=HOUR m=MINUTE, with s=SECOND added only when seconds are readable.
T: h=12 m=38
